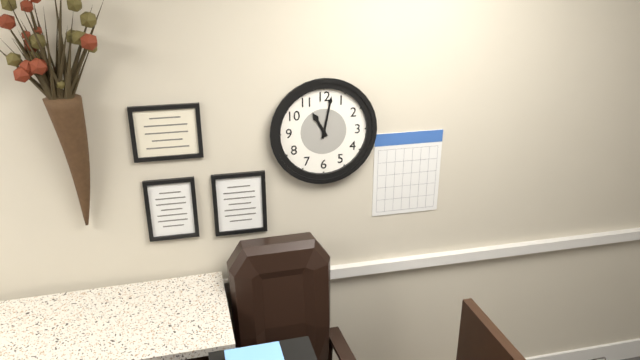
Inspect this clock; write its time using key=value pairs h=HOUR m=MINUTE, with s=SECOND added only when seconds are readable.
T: h=11 m=2
